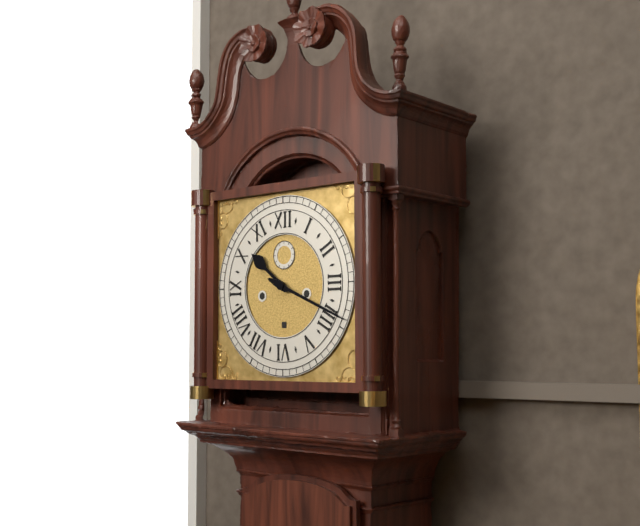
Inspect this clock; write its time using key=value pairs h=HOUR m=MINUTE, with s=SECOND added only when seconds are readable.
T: h=10 m=19
